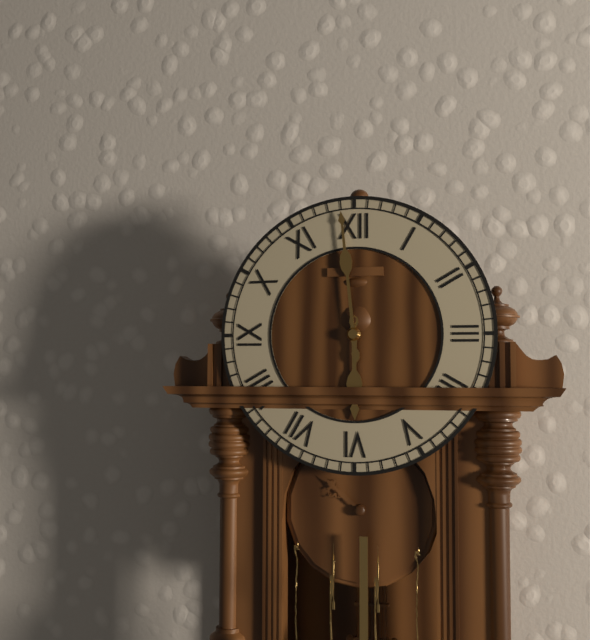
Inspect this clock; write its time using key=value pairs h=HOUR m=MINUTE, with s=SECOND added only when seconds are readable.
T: h=5 m=59
